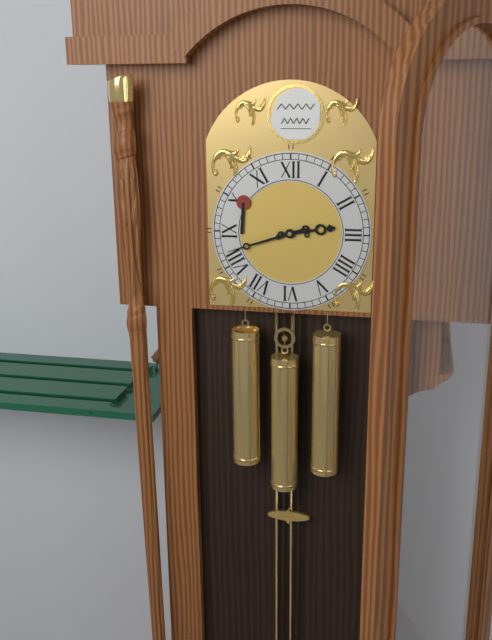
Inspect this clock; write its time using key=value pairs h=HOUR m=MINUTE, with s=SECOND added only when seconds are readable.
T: h=2 m=42
